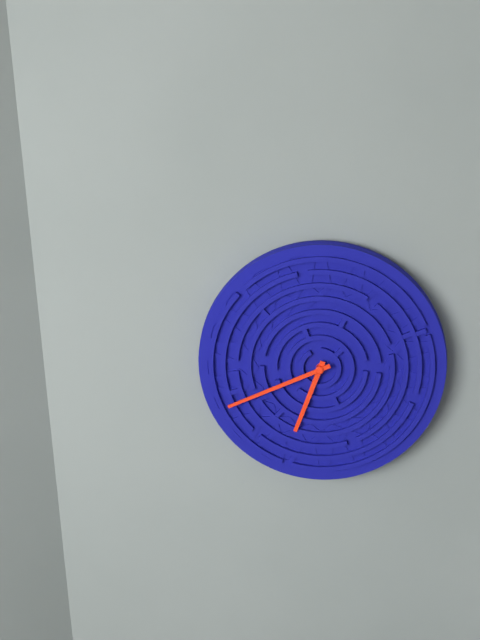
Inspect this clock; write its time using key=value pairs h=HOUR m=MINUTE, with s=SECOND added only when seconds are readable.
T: h=6 m=41
